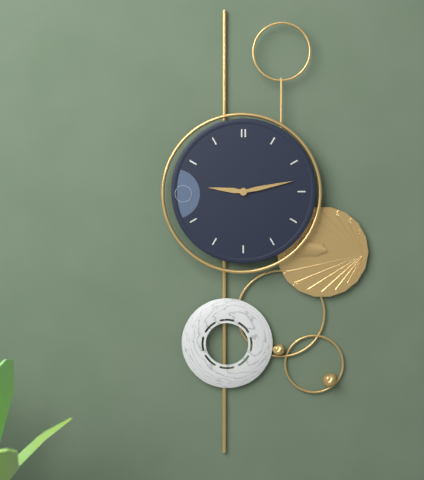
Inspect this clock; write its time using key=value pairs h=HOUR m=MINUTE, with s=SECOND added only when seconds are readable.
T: h=9 m=13
